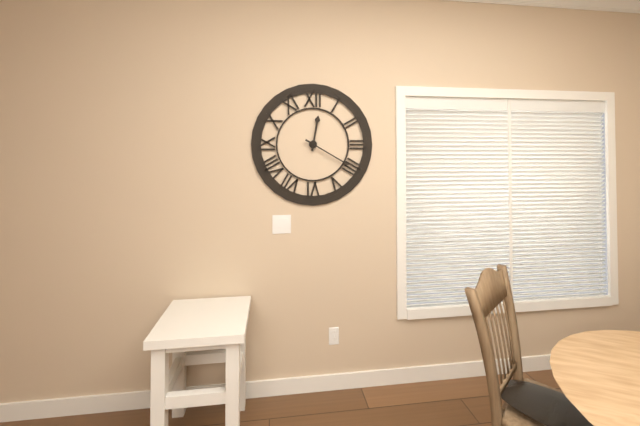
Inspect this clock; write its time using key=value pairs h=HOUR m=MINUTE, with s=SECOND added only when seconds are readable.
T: h=12 m=20
